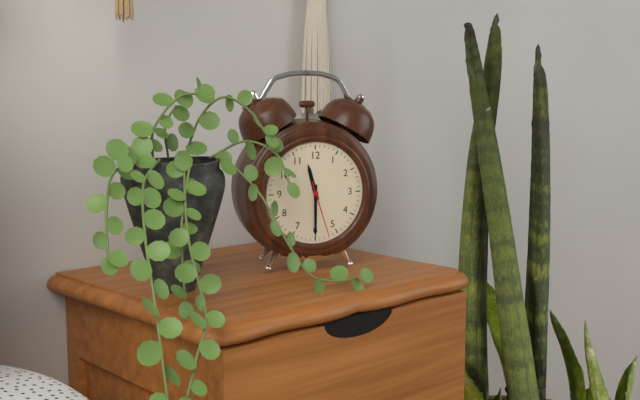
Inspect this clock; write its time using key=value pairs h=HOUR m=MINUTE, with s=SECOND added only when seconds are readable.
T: h=11 m=30 s=27
